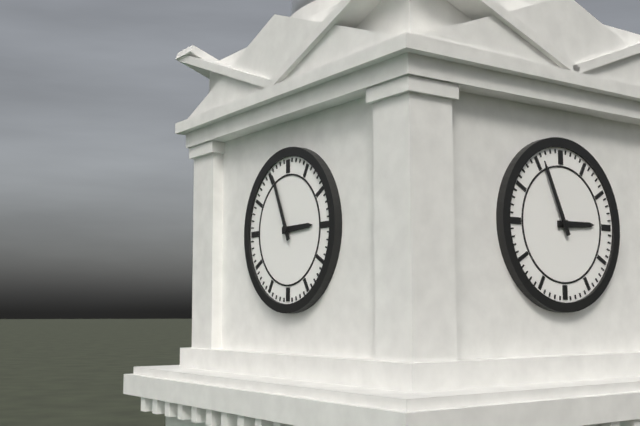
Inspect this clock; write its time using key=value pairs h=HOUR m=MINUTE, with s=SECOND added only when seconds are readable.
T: h=2 m=56
